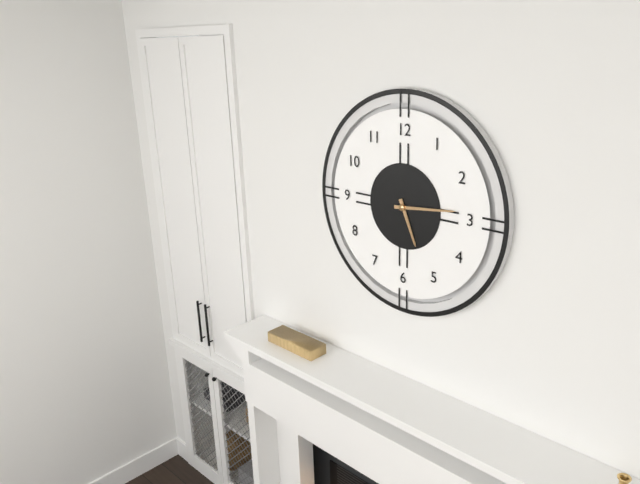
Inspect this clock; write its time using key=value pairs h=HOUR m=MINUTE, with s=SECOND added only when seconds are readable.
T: h=5 m=14
